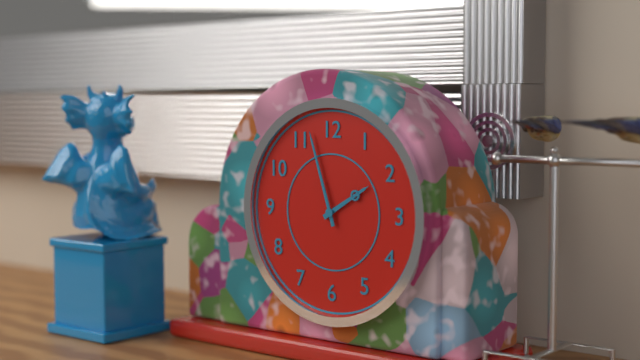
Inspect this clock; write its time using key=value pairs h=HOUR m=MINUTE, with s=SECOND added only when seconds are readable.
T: h=1 m=57
